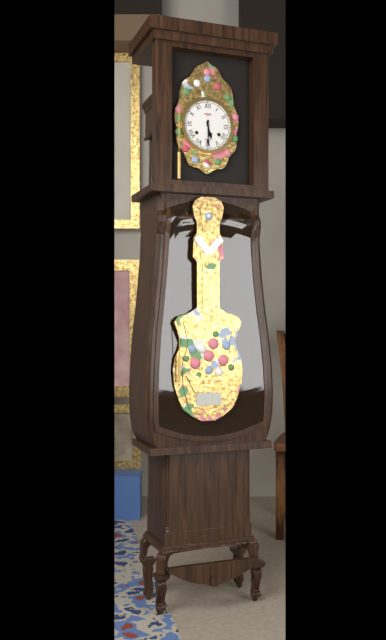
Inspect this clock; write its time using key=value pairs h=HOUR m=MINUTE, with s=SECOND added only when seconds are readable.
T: h=5 m=30
